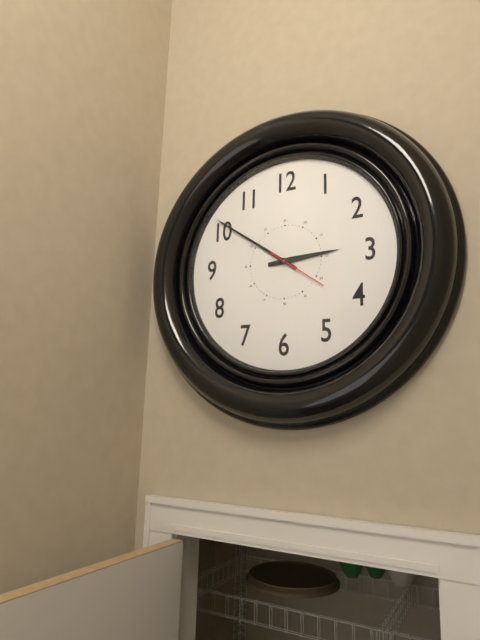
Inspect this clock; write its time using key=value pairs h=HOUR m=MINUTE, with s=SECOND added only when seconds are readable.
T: h=2 m=51 s=21
